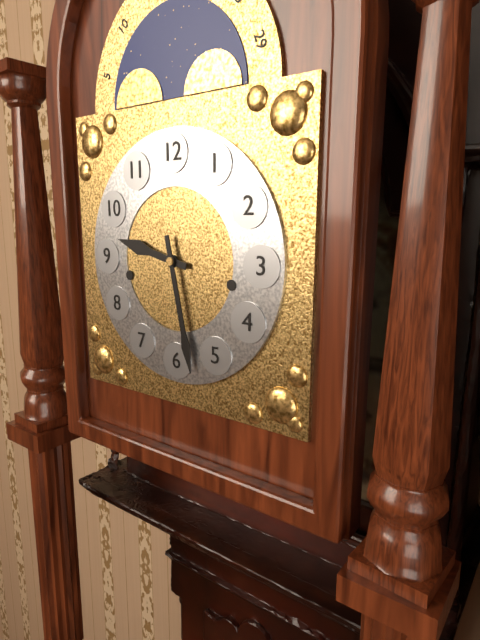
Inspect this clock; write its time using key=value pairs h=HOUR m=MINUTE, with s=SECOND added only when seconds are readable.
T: h=9 m=28
